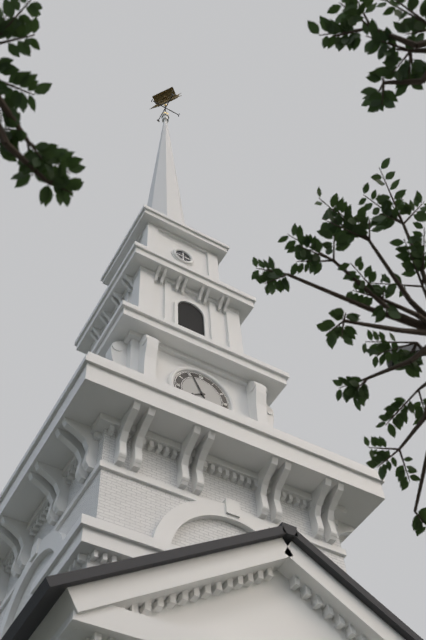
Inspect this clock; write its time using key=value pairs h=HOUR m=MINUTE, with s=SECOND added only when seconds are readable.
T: h=7 m=56
